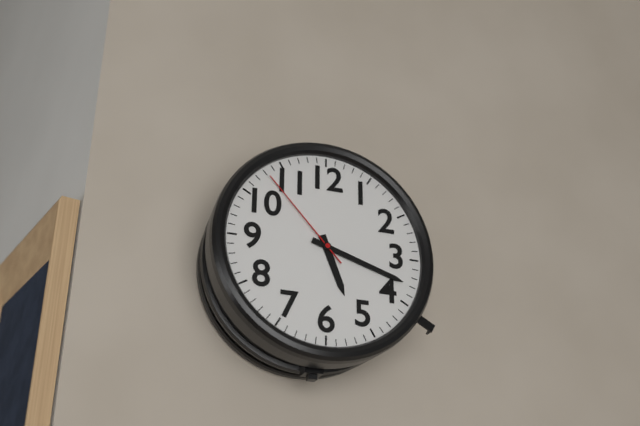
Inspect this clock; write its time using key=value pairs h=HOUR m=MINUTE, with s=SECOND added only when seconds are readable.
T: h=5 m=18 s=53
